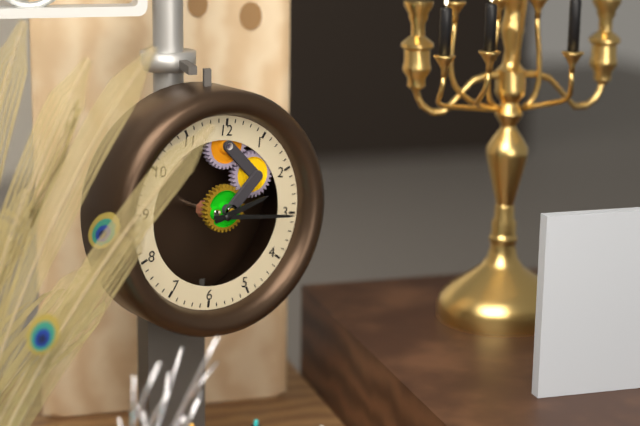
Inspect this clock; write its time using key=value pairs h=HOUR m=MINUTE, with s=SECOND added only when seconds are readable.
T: h=2 m=15
